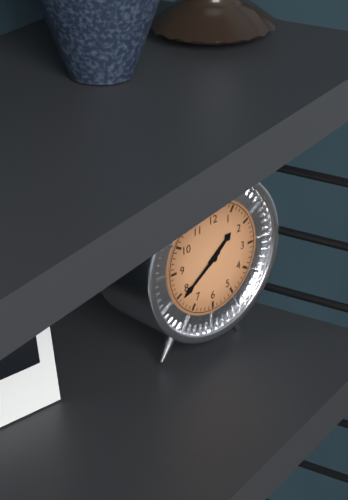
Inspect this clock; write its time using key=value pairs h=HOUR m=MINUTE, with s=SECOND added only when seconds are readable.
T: h=1 m=39
